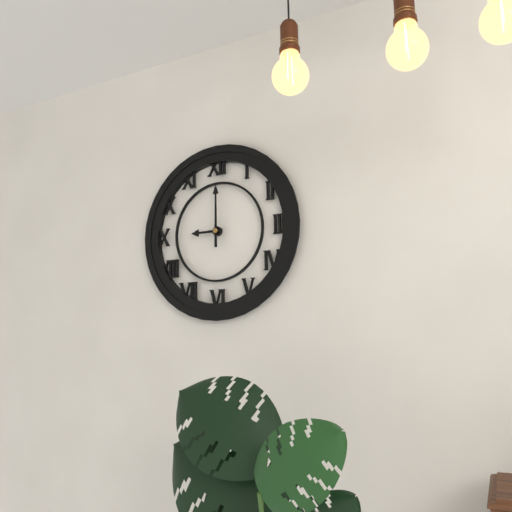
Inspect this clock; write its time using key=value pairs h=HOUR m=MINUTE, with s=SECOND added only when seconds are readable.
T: h=9 m=0
